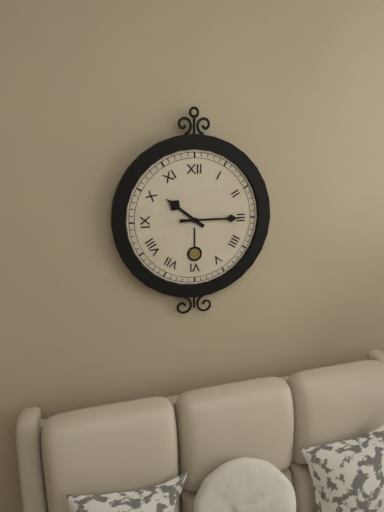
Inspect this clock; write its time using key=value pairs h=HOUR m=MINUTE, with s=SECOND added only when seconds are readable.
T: h=10 m=15
